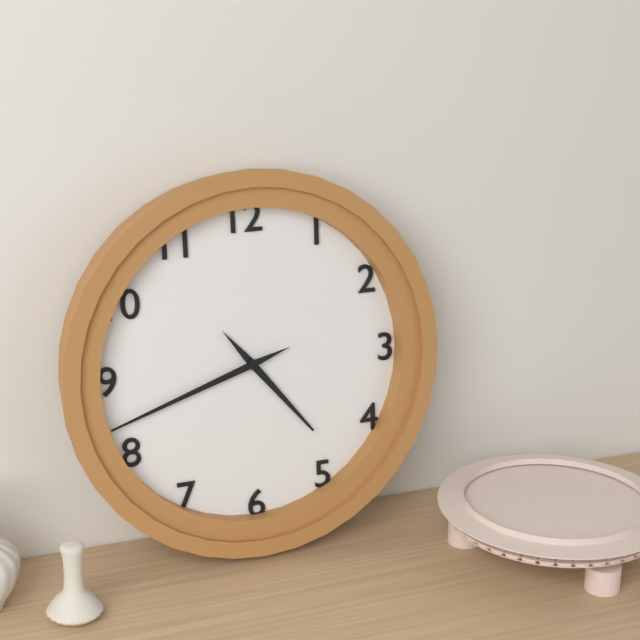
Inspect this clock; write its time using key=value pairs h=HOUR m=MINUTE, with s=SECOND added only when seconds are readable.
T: h=4 m=42
